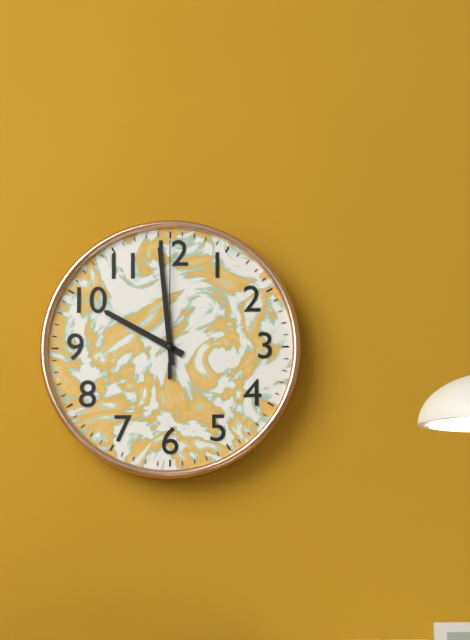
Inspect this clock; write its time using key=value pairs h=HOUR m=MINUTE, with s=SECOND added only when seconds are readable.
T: h=9 m=59 s=0
